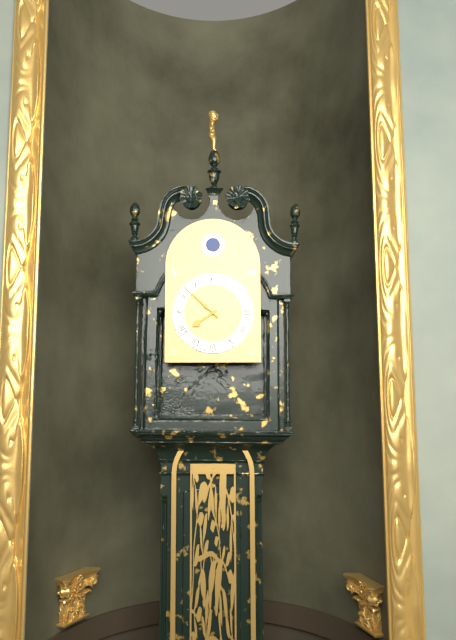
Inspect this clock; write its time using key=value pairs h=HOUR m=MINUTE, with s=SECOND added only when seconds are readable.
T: h=7 m=52
